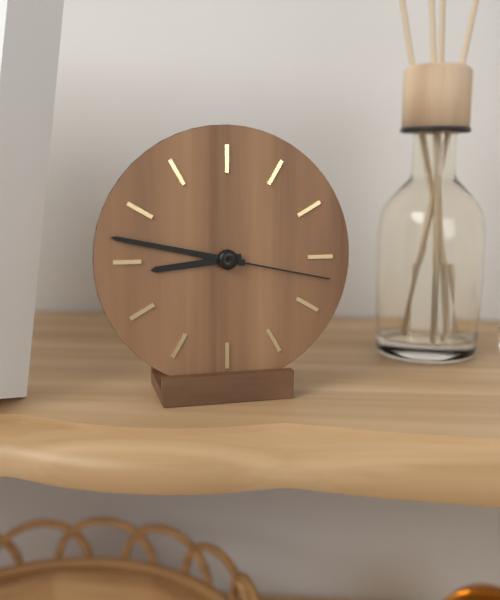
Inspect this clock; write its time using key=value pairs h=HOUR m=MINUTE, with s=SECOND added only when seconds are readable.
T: h=8 m=47 s=17
